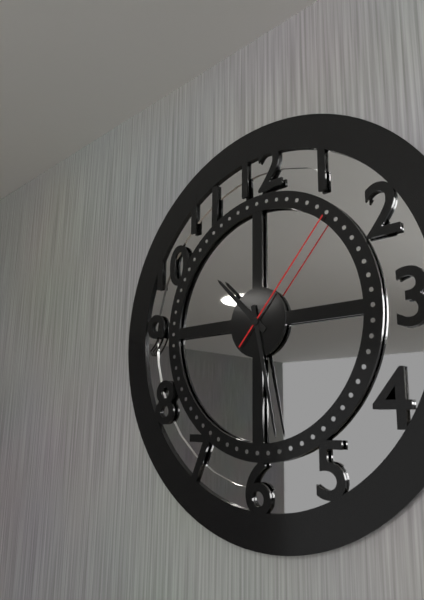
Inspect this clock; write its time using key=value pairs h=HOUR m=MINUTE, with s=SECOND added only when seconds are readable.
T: h=10 m=28 s=7
